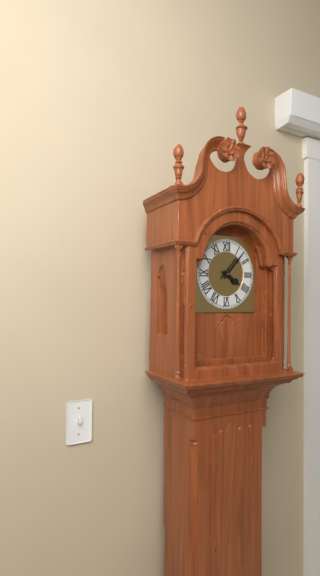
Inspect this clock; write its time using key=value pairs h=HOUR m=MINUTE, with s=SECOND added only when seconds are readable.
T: h=4 m=7
